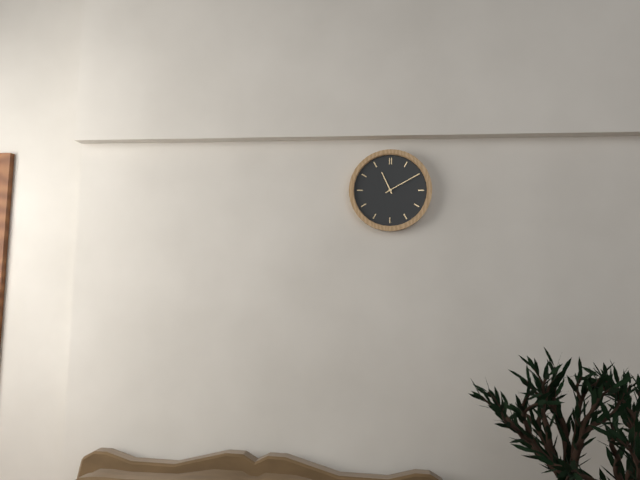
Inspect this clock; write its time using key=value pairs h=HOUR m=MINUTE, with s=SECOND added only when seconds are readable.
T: h=11 m=10
